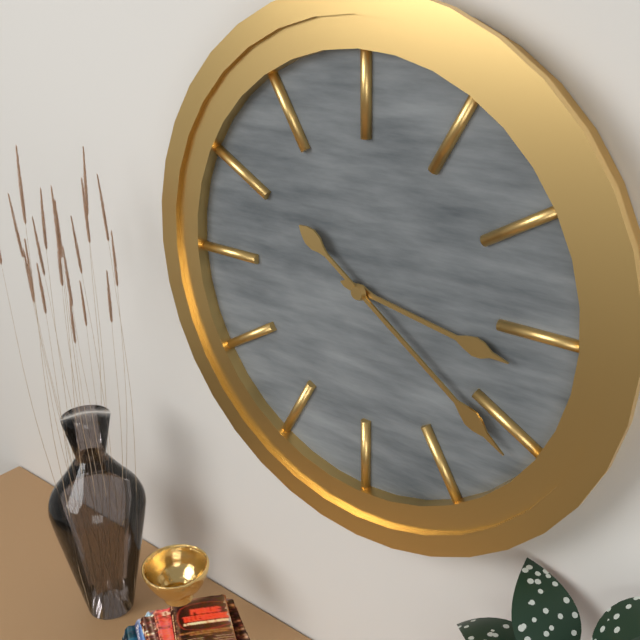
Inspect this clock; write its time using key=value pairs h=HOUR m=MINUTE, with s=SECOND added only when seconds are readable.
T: h=3 m=21
